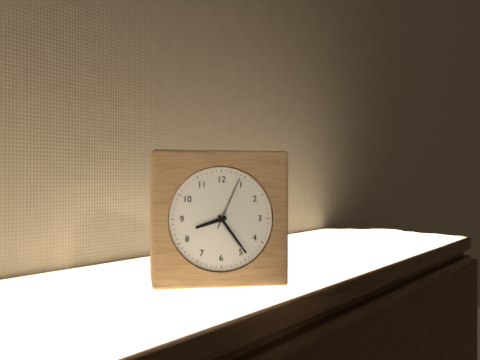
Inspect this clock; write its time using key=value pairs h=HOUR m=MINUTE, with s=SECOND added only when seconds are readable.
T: h=8 m=24 s=4
